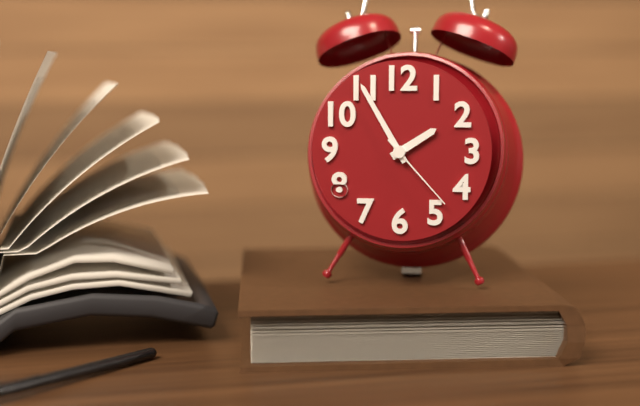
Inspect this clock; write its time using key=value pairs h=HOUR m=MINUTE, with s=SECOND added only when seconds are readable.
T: h=1 m=55 s=23
